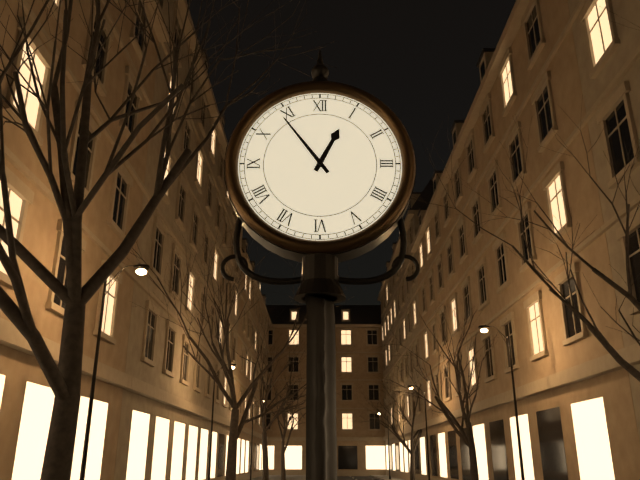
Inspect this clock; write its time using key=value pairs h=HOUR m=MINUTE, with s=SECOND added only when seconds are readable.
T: h=12 m=54
